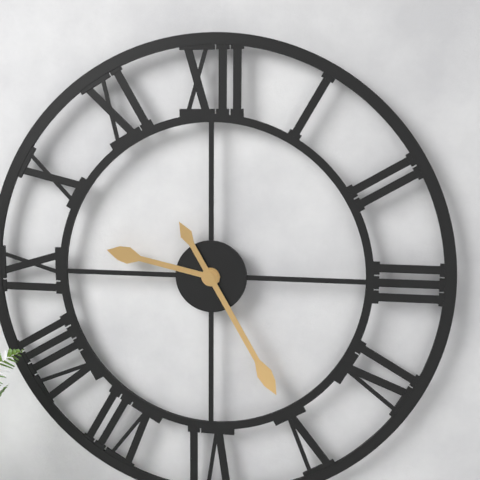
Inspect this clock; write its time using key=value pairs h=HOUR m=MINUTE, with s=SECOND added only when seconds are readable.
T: h=9 m=25
